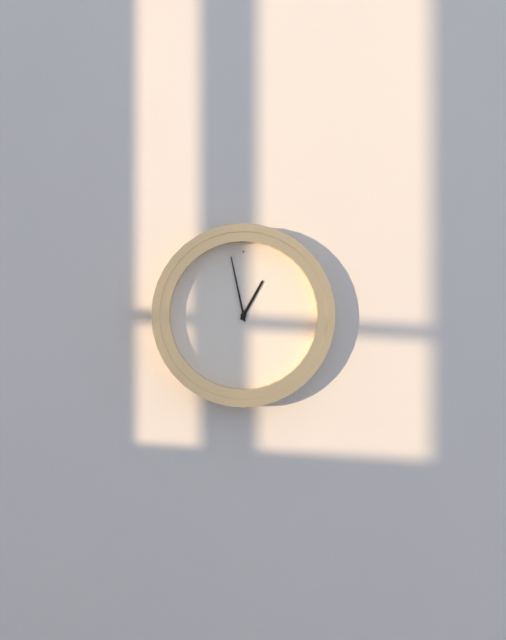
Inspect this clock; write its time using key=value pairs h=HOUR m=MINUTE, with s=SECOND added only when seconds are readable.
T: h=12 m=58
